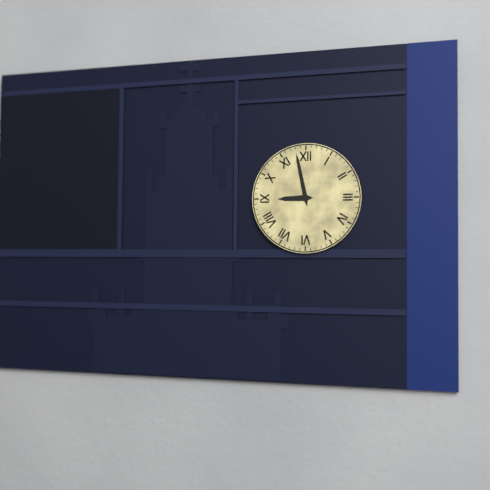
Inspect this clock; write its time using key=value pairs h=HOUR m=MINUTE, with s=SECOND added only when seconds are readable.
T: h=8 m=58
